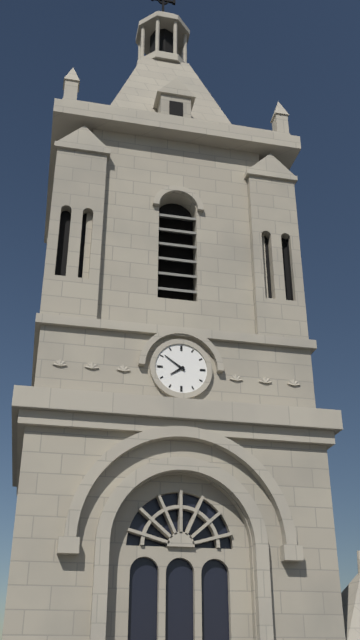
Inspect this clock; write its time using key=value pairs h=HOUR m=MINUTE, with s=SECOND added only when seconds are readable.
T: h=7 m=51
